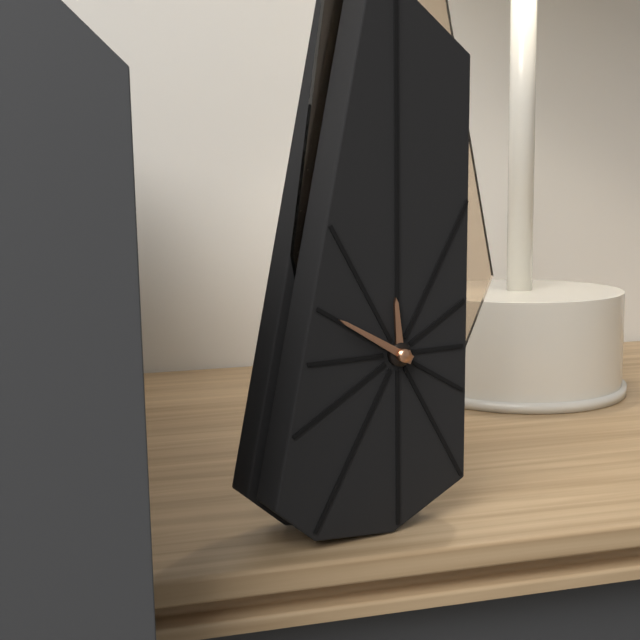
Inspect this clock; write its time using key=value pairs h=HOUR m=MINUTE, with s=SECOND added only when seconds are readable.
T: h=11 m=50
